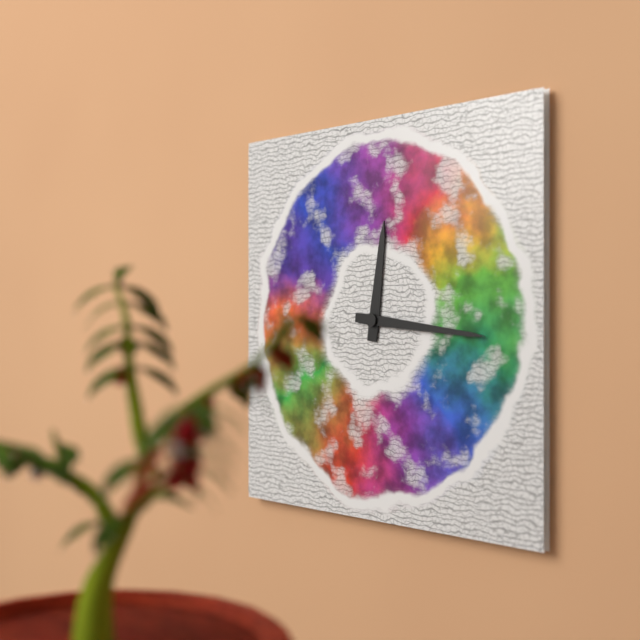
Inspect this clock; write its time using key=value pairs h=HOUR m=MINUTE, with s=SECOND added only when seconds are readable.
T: h=12 m=16
